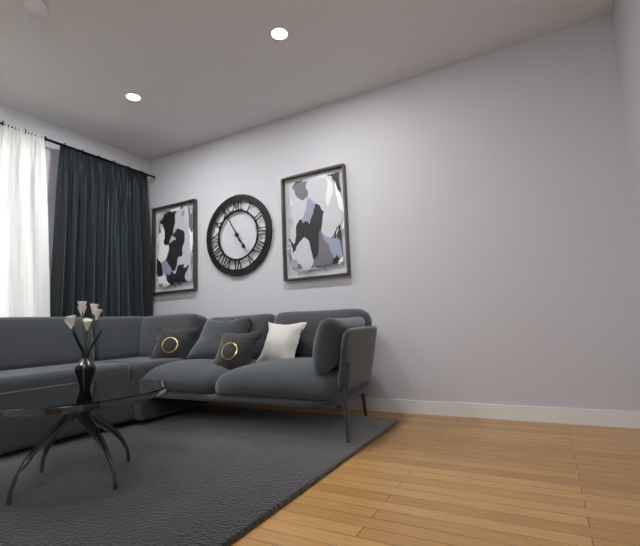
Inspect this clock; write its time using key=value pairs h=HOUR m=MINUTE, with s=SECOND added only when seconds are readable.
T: h=4 m=55
